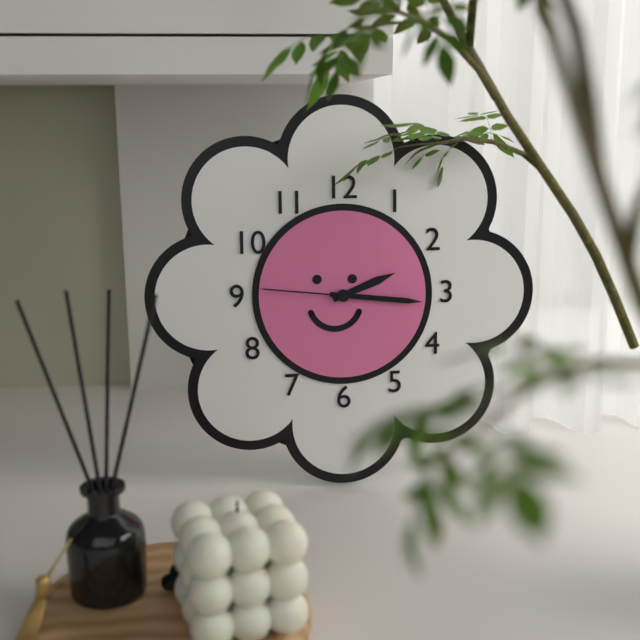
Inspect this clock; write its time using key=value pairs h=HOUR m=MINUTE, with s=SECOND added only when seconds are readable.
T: h=2 m=16 s=46
